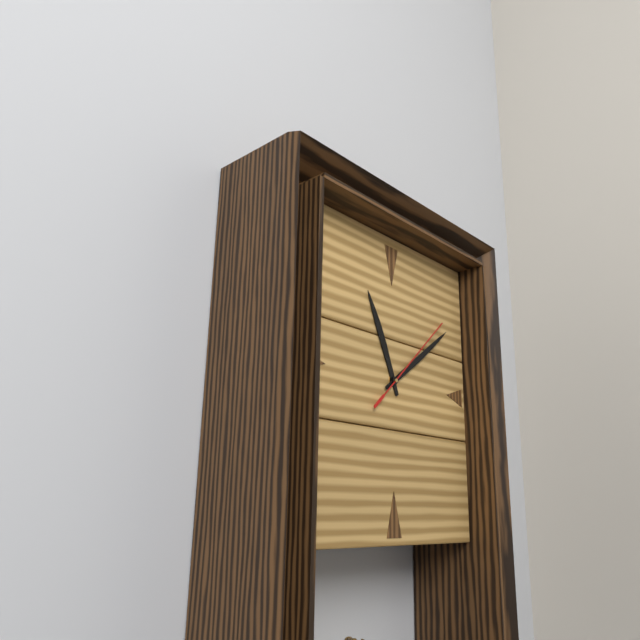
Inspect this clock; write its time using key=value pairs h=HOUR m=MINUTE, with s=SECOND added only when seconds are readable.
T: h=11 m=9 s=8
